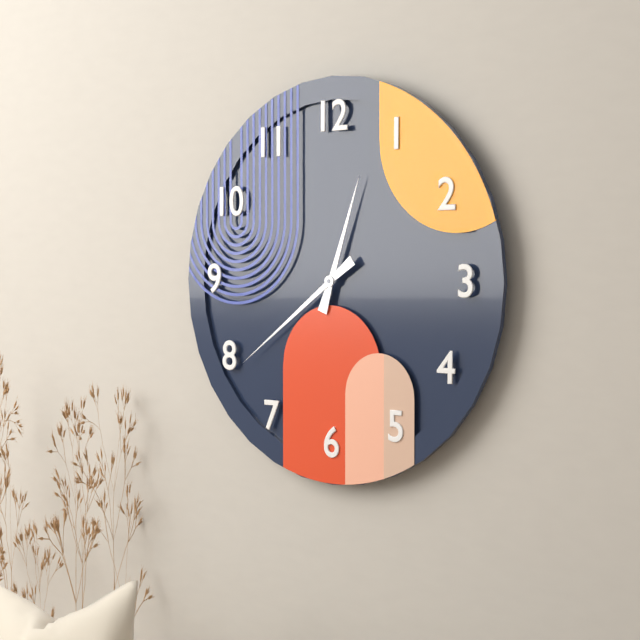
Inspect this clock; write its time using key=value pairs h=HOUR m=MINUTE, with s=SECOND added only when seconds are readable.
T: h=12 m=39
